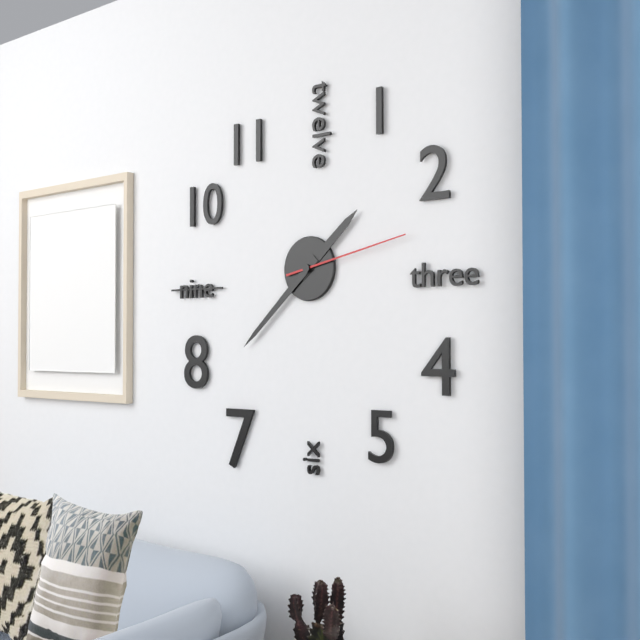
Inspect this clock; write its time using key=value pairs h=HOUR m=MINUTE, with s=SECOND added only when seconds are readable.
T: h=1 m=38 s=13
